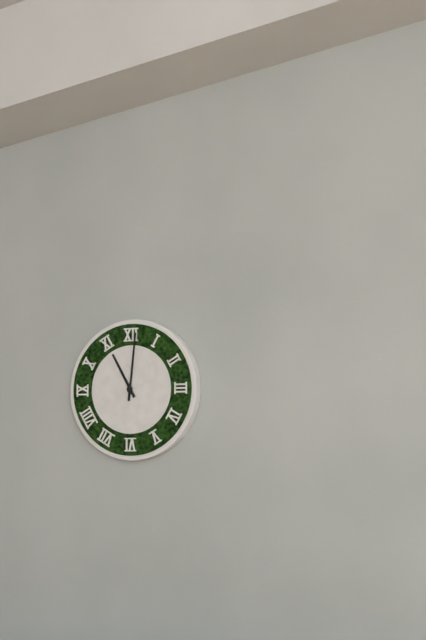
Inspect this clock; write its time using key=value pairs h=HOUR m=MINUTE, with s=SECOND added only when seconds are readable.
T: h=11 m=1
